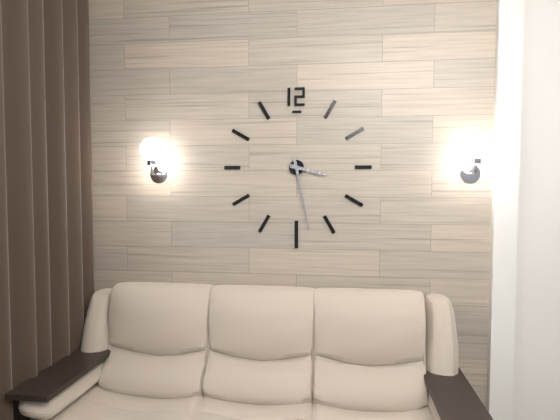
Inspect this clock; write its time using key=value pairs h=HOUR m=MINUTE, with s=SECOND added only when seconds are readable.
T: h=3 m=28
